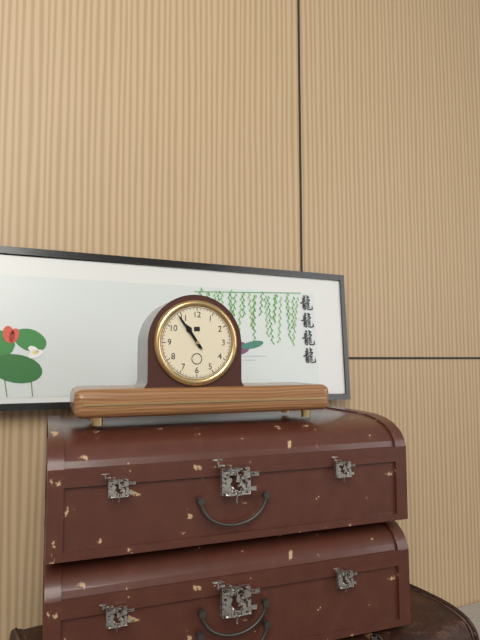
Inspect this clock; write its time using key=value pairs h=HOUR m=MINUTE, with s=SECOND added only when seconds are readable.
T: h=10 m=54
